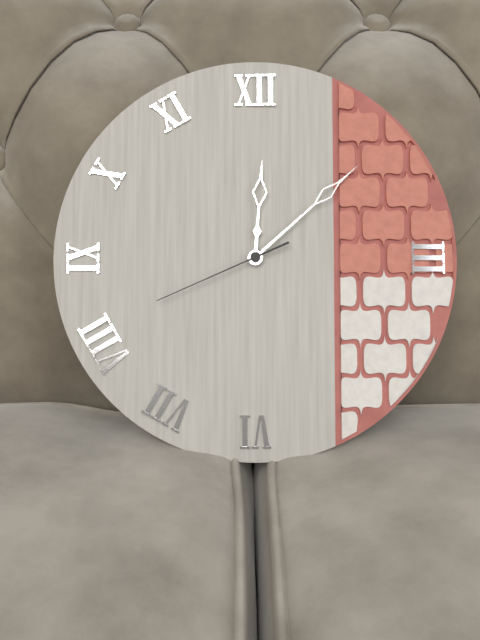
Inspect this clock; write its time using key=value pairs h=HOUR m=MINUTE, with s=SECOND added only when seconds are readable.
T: h=12 m=8 s=41
